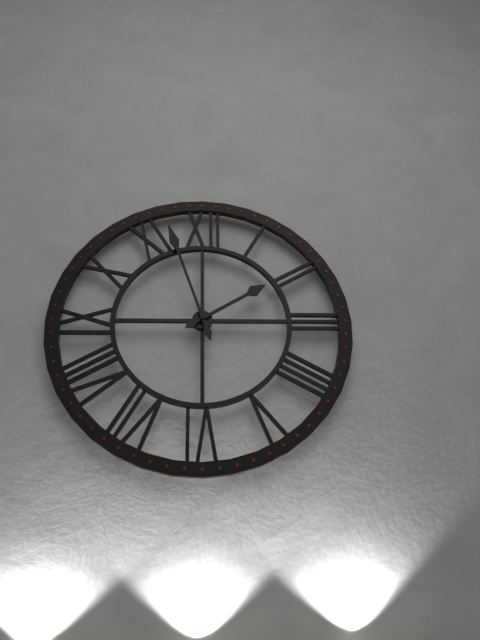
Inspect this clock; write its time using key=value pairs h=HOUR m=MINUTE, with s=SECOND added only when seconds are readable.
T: h=1 m=57
